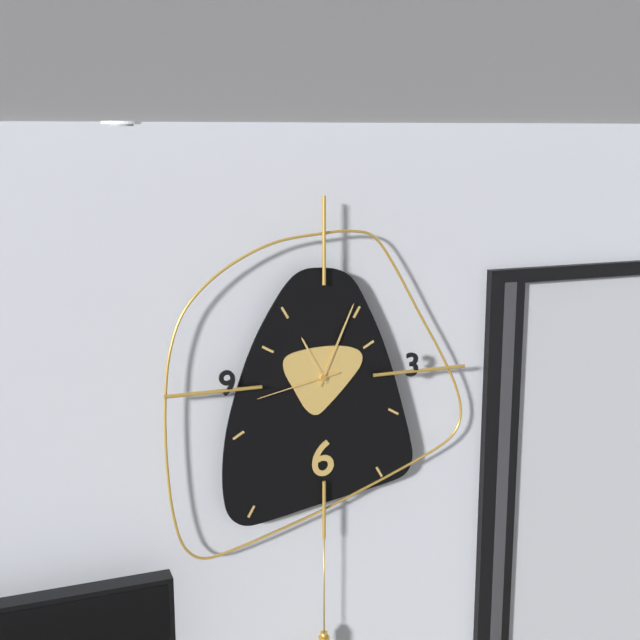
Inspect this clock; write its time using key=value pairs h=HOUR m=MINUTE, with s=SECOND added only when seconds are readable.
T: h=11 m=4 s=43
